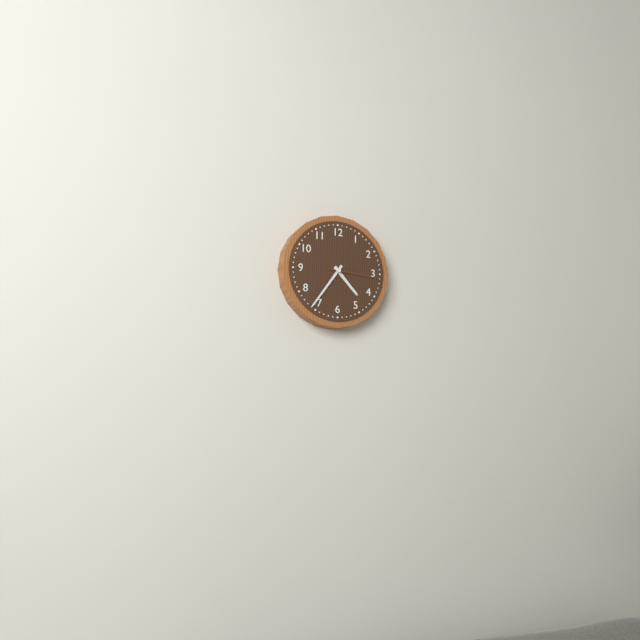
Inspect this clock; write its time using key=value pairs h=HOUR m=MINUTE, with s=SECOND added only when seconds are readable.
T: h=4 m=36 s=16
